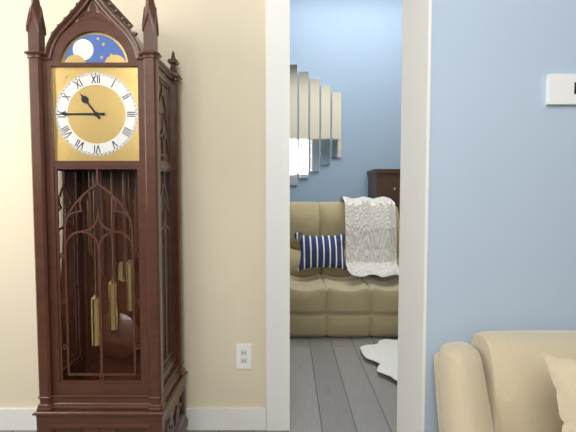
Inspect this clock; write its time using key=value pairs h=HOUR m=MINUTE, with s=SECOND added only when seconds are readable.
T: h=10 m=45
